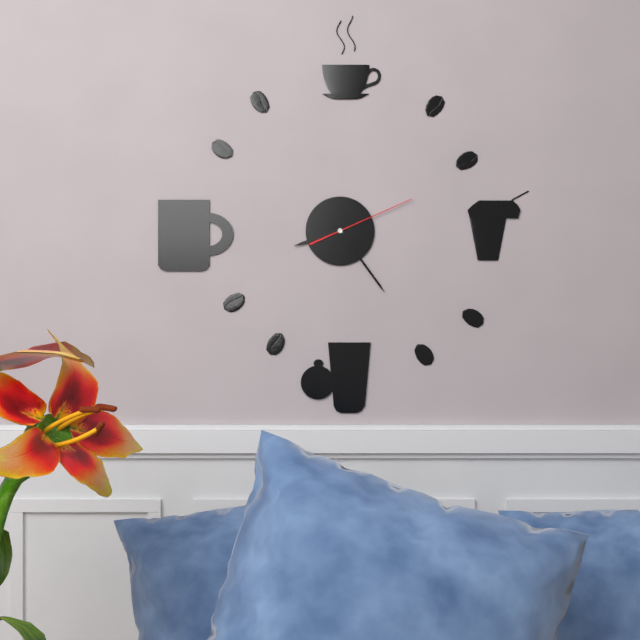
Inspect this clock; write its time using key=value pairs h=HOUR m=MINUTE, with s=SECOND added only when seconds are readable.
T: h=8 m=24 s=11
